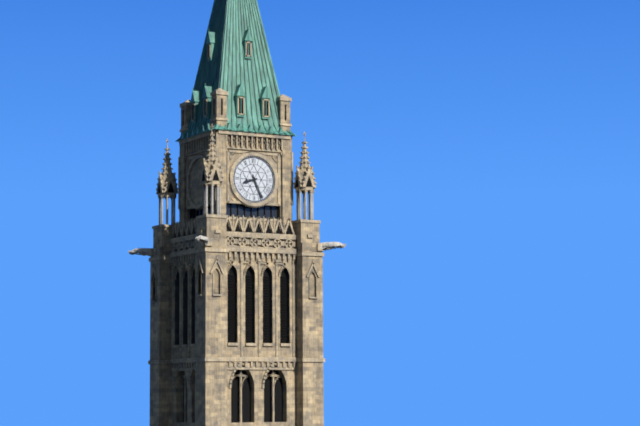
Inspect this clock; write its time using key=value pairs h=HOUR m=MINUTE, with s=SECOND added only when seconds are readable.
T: h=8 m=26
